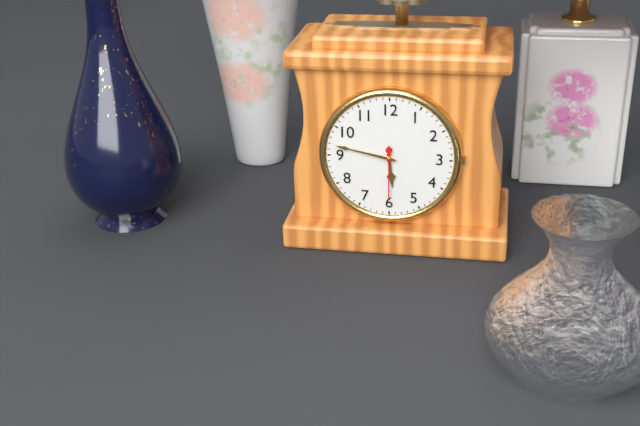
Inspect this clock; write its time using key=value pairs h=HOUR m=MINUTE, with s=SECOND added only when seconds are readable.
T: h=5 m=47 s=30
